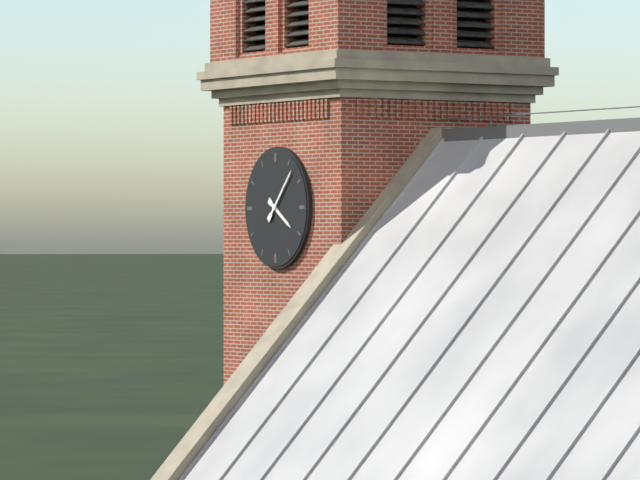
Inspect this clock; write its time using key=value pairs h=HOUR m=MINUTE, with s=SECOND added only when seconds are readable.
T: h=4 m=7
